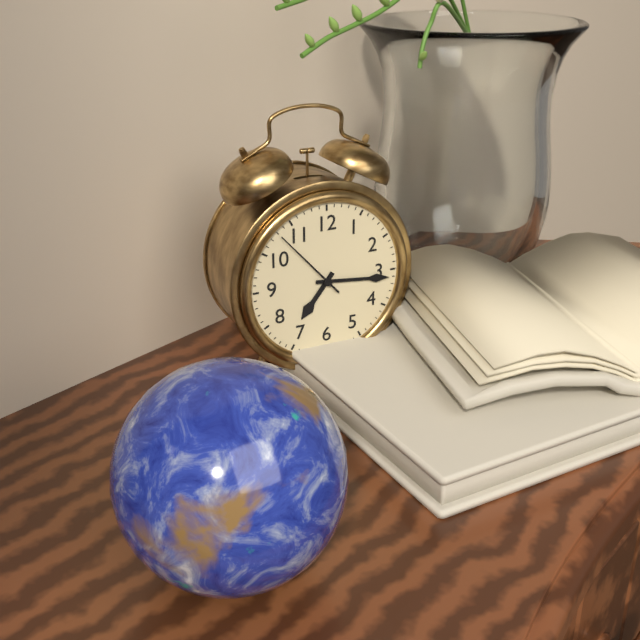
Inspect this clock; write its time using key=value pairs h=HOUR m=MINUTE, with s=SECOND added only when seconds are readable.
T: h=7 m=16 s=53
